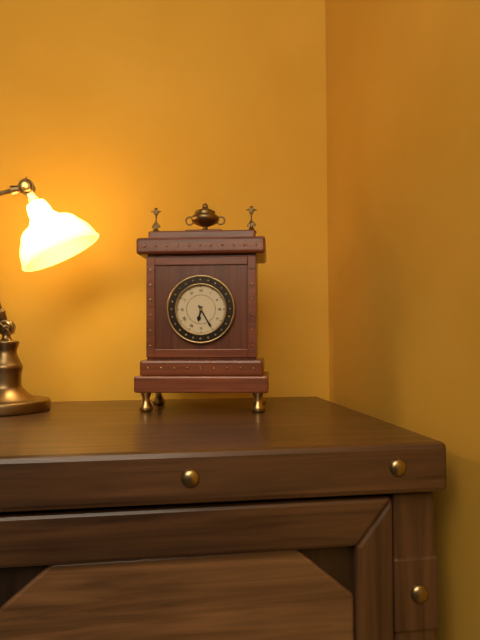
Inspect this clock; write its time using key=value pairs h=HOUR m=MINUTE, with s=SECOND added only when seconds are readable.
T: h=6 m=25
